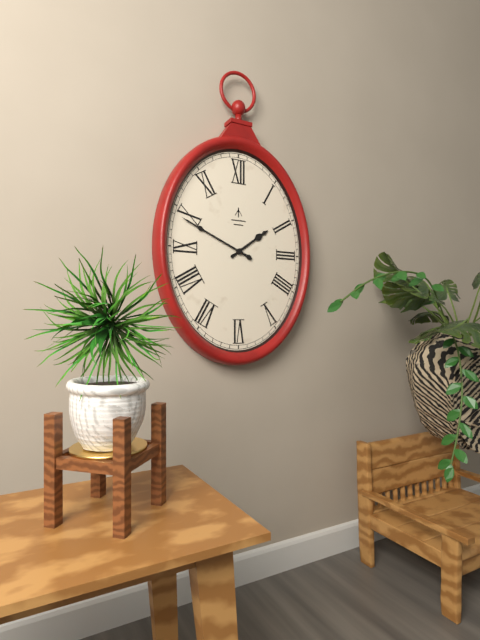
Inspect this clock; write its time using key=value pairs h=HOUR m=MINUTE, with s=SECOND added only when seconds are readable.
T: h=1 m=49
